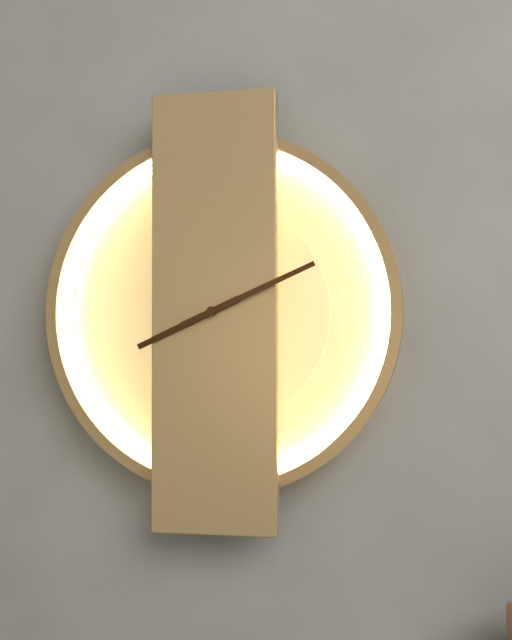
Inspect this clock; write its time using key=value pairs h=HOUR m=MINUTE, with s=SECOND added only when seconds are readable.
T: h=8 m=11
